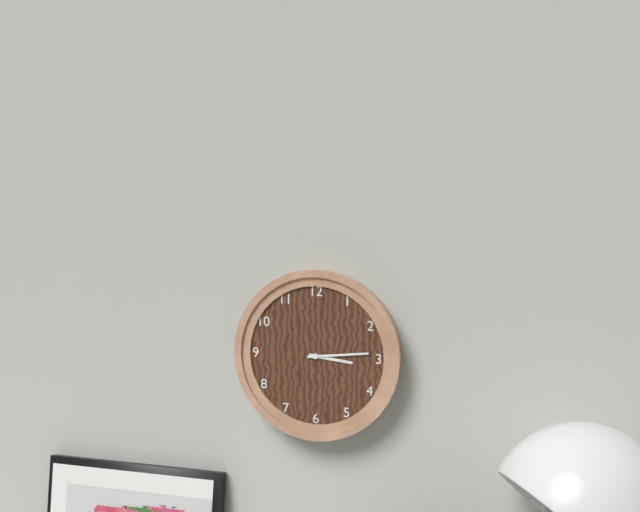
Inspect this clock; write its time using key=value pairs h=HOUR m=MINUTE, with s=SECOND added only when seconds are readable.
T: h=3 m=14
